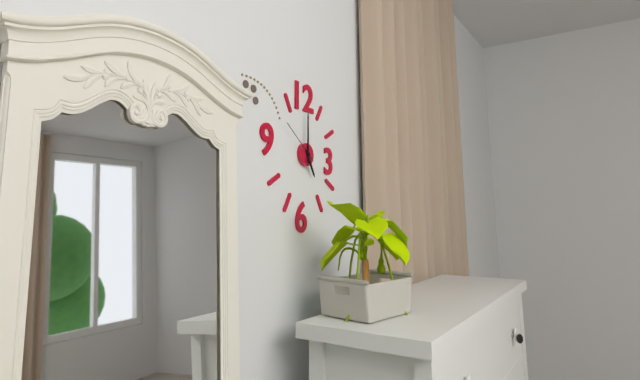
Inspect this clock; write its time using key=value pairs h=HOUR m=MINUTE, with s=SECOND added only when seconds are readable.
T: h=5 m=0
